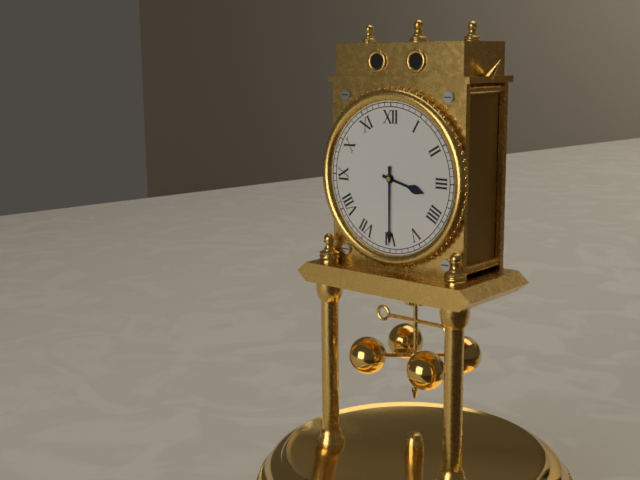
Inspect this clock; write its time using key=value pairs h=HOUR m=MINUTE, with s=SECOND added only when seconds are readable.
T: h=3 m=30
